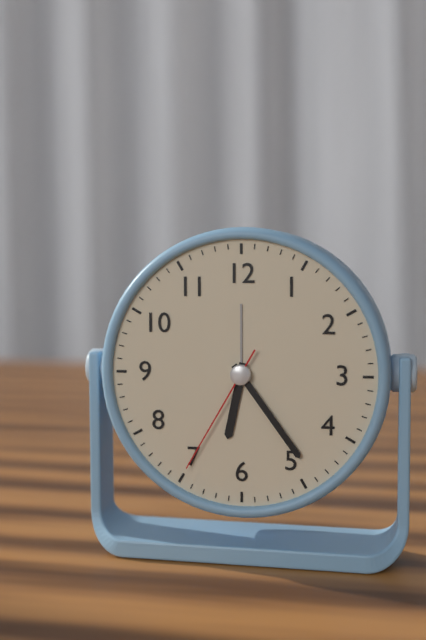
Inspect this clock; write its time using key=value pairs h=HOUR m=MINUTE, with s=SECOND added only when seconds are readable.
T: h=6 m=24 s=35
